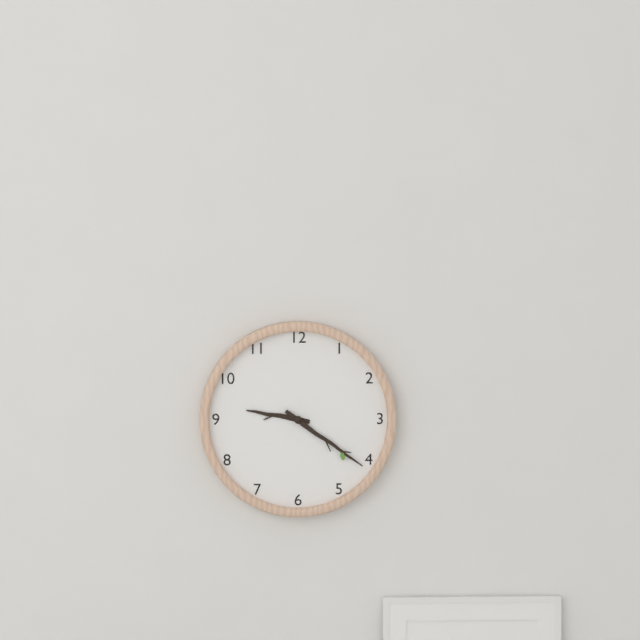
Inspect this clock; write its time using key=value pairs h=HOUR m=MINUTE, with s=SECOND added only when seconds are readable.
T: h=9 m=21
